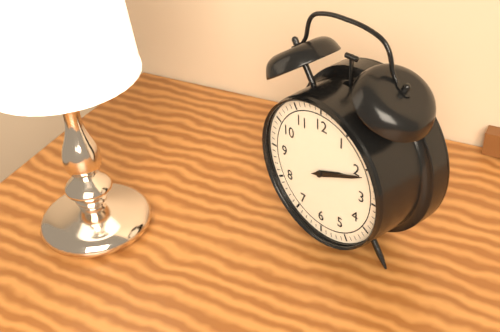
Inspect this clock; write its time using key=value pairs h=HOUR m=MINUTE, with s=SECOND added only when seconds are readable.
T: h=2 m=11
